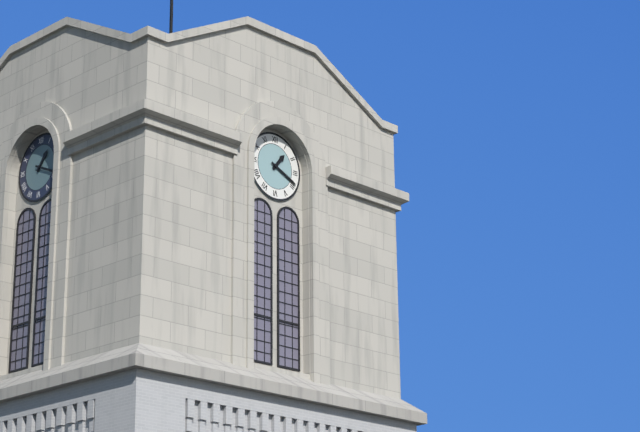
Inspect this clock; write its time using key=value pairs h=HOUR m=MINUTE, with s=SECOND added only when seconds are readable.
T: h=1 m=19
